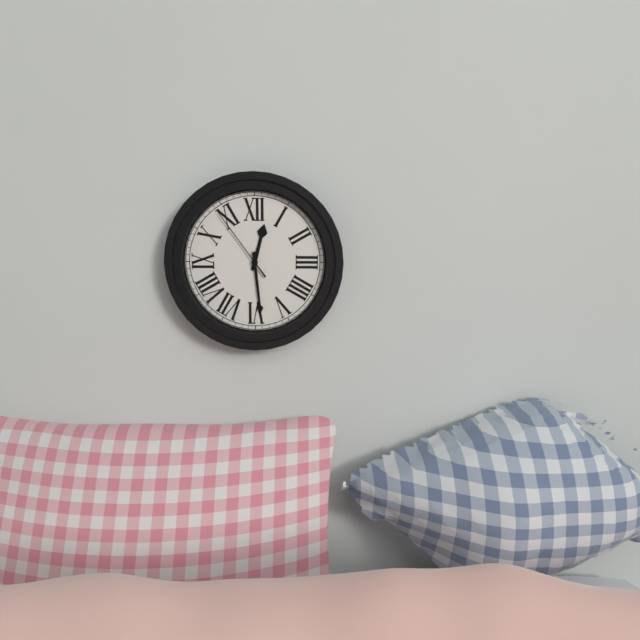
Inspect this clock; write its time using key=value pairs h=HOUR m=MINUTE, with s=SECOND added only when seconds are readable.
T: h=12 m=29 s=54
